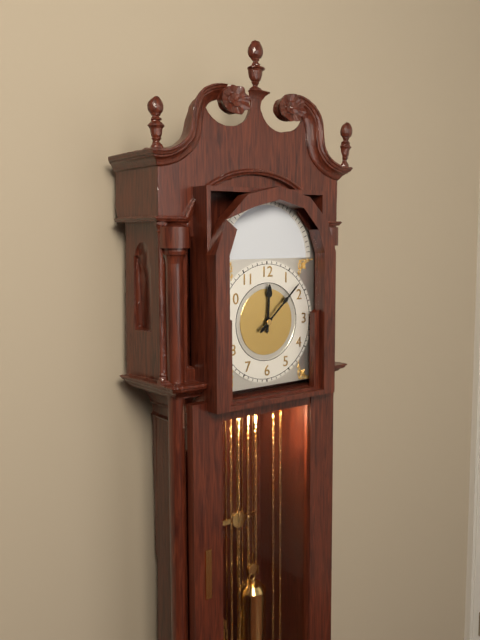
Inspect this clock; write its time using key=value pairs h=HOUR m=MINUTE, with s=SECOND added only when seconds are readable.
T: h=12 m=8
